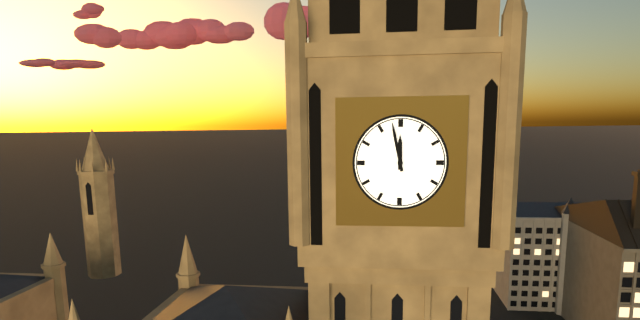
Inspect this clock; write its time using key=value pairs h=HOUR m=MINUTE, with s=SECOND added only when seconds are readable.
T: h=11 m=58
